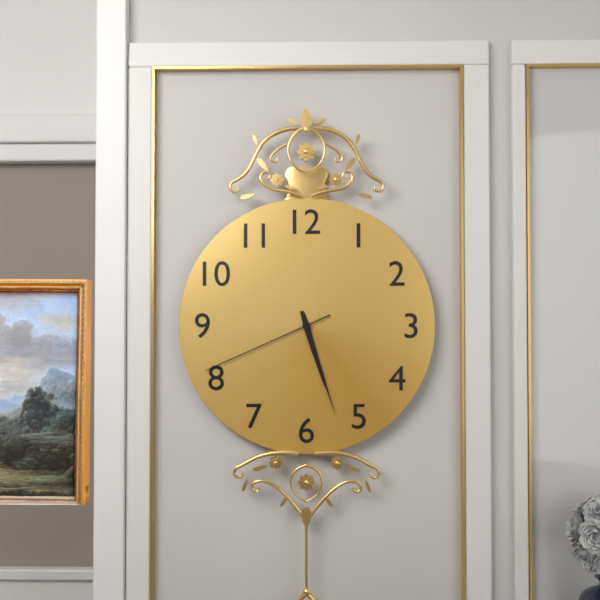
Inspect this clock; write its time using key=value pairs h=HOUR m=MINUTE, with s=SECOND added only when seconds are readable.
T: h=5 m=27 s=41
